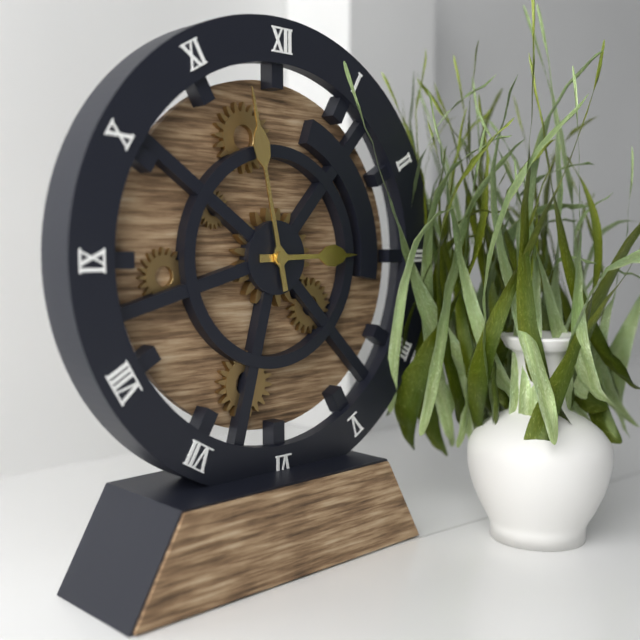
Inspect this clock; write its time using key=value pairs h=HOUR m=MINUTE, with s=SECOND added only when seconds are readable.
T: h=2 m=58
